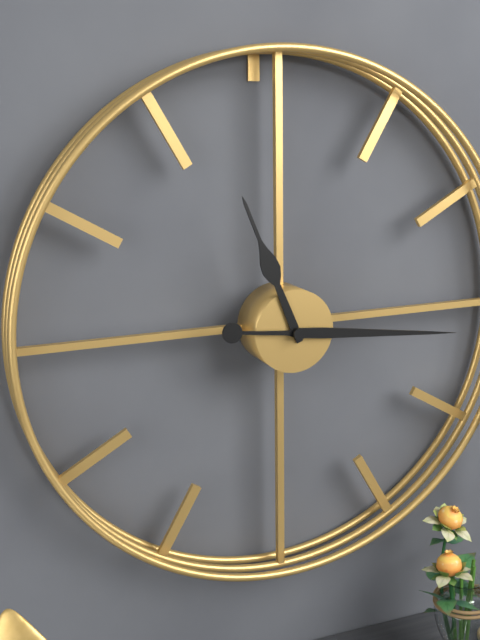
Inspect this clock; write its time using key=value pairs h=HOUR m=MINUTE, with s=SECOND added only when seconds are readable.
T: h=11 m=16
